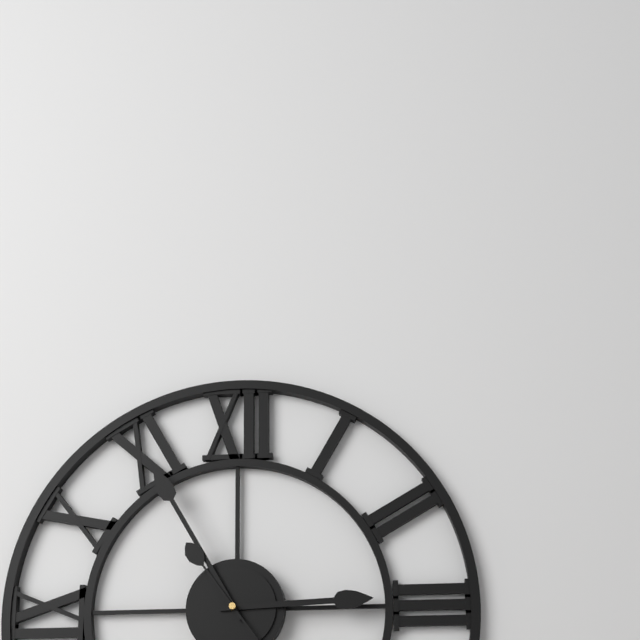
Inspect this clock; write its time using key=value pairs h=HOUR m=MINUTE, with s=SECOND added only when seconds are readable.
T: h=2 m=55
